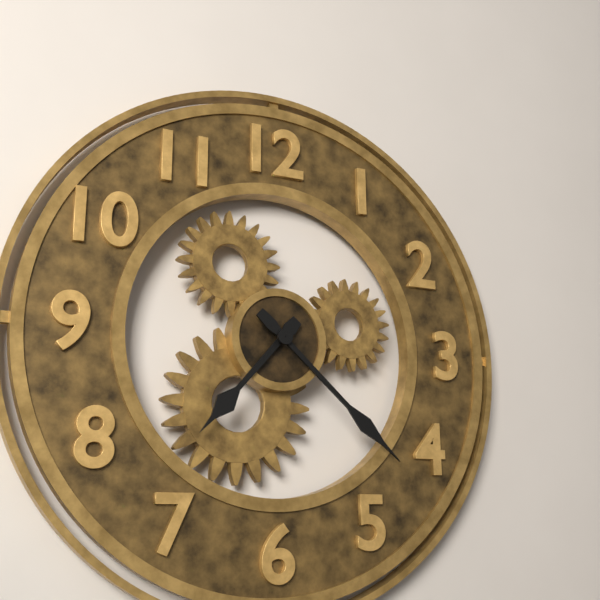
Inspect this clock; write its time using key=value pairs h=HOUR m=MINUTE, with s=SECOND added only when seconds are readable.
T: h=7 m=22
